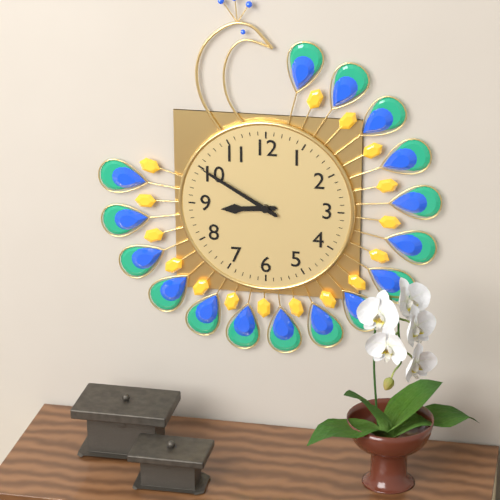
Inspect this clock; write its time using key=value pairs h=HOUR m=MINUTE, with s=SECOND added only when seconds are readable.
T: h=8 m=50
